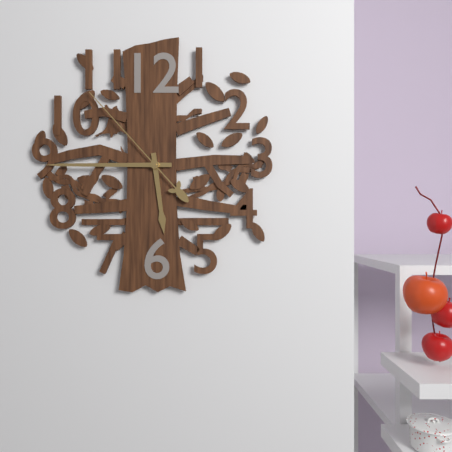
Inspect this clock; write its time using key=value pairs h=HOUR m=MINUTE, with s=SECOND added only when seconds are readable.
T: h=5 m=45 s=53
